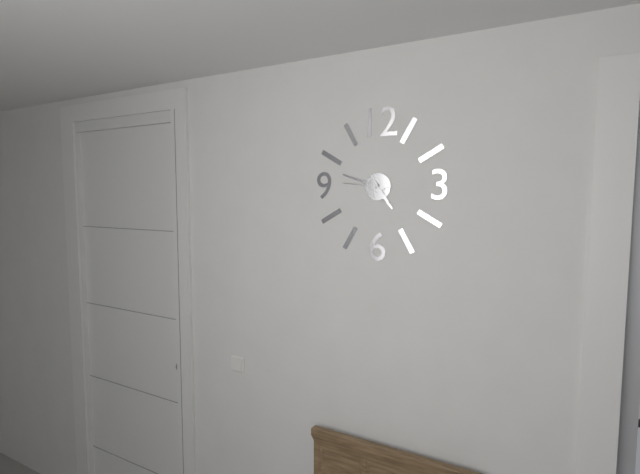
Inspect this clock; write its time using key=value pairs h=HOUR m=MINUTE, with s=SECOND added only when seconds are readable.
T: h=4 m=48
